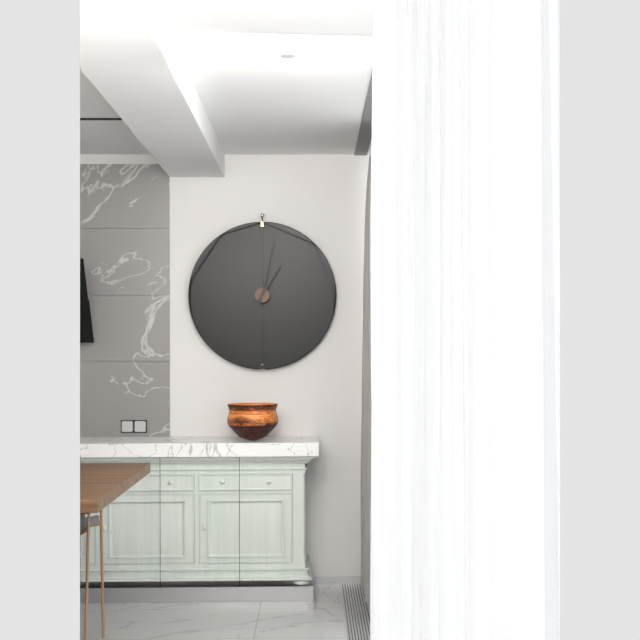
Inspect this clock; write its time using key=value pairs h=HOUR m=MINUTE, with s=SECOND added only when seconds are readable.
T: h=1 m=2
